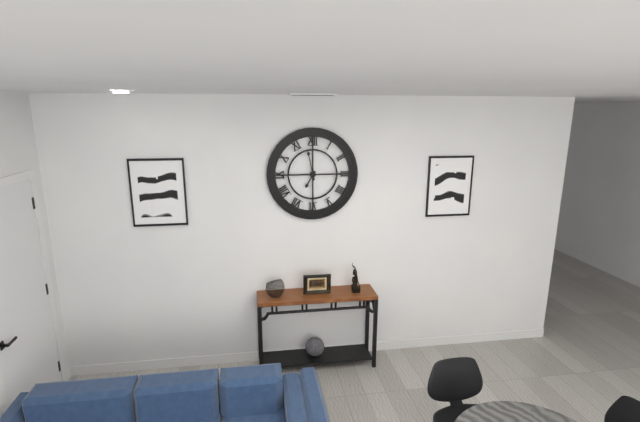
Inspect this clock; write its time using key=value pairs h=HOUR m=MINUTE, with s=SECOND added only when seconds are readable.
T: h=6 m=58
